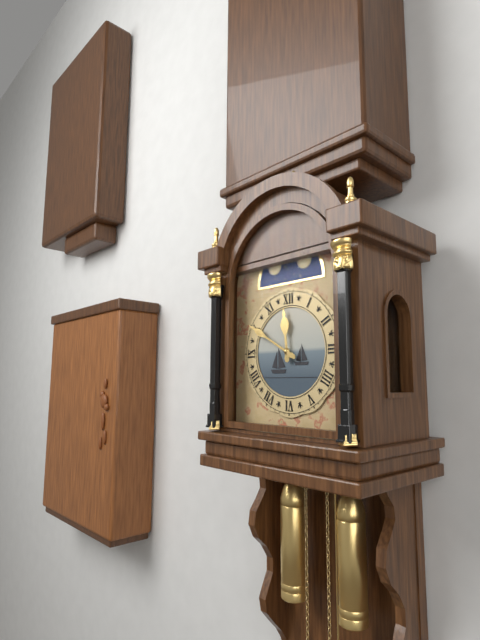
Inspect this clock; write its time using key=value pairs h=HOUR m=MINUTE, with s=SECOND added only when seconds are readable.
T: h=11 m=50
